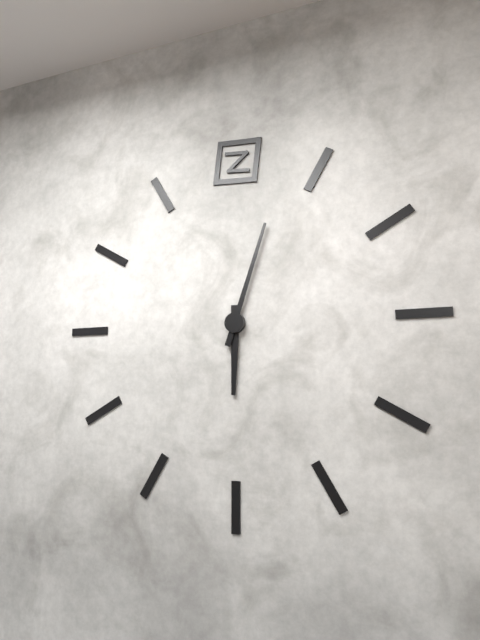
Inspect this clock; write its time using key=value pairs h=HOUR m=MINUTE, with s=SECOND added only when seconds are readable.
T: h=6 m=3
